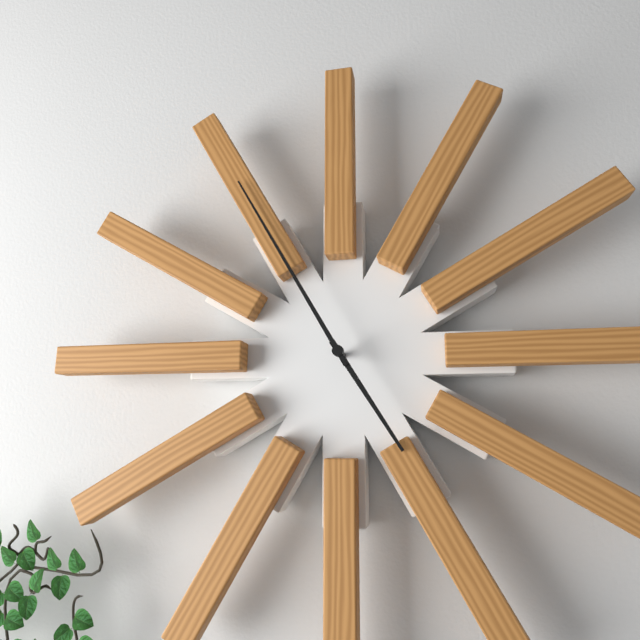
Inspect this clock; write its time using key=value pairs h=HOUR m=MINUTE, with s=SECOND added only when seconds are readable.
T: h=4 m=55
